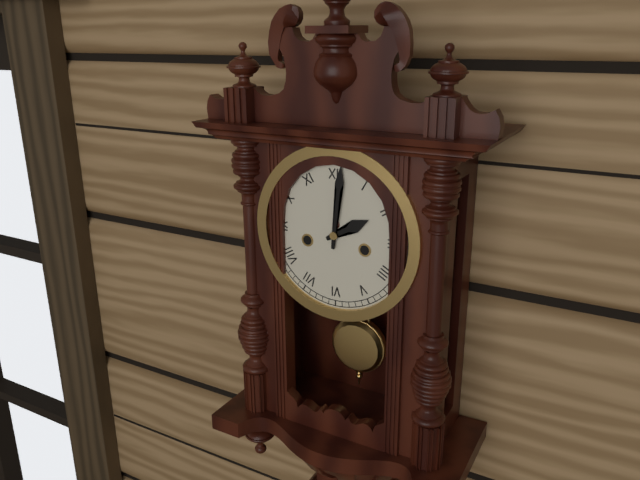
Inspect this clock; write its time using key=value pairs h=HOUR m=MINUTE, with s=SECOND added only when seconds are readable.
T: h=2 m=1
